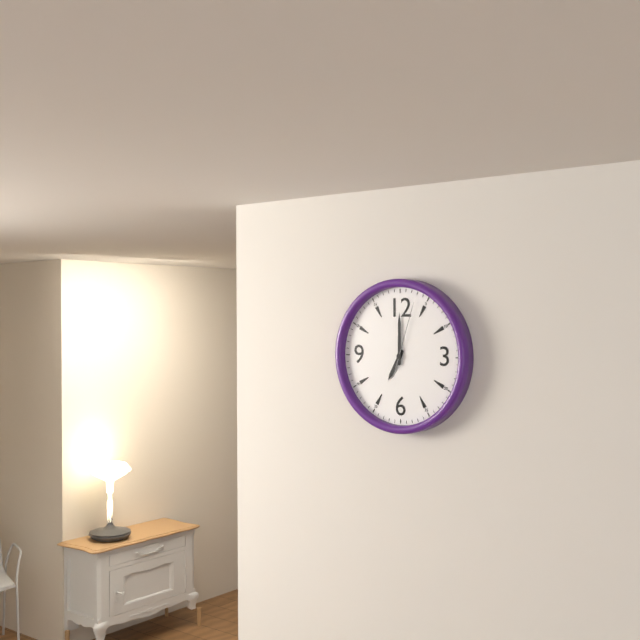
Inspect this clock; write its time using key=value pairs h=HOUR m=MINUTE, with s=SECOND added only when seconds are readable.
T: h=7 m=0 s=3
